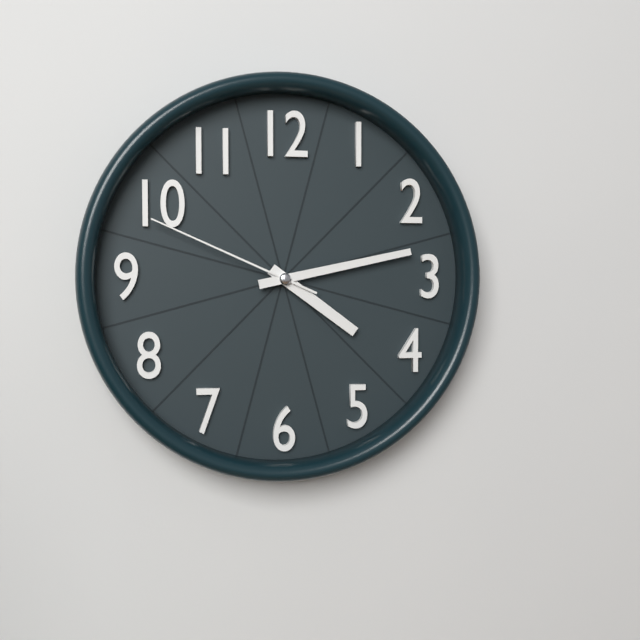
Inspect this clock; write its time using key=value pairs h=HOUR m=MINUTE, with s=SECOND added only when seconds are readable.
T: h=4 m=13 s=49
